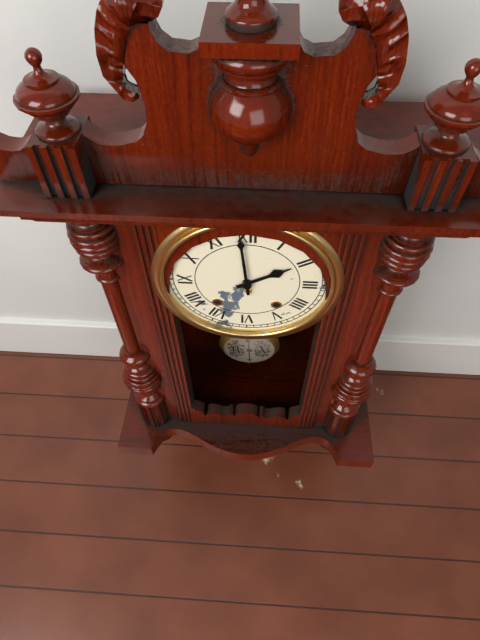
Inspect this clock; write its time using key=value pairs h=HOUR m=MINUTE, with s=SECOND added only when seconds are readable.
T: h=1 m=59
